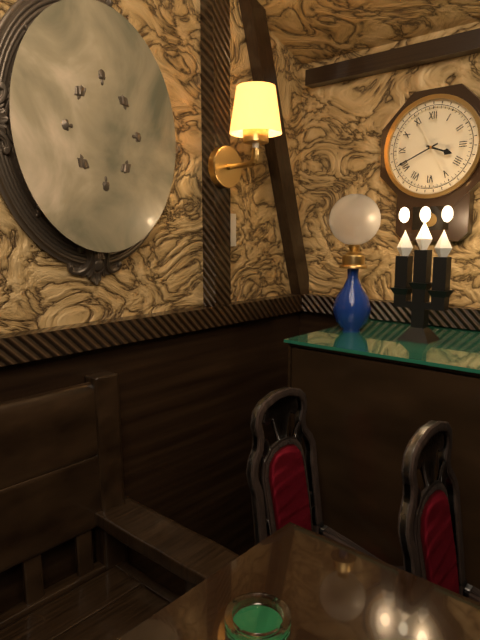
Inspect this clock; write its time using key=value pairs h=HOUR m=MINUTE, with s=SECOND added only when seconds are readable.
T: h=3 m=41
